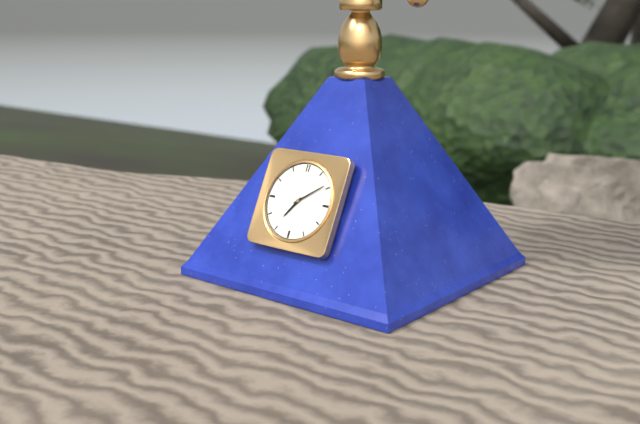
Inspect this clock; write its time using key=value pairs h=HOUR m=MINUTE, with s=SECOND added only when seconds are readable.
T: h=7 m=9
